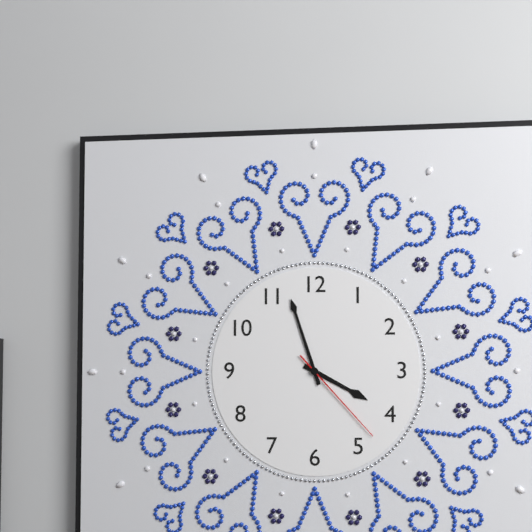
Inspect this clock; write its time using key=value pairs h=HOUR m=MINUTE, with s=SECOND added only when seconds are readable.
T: h=3 m=57 s=23
